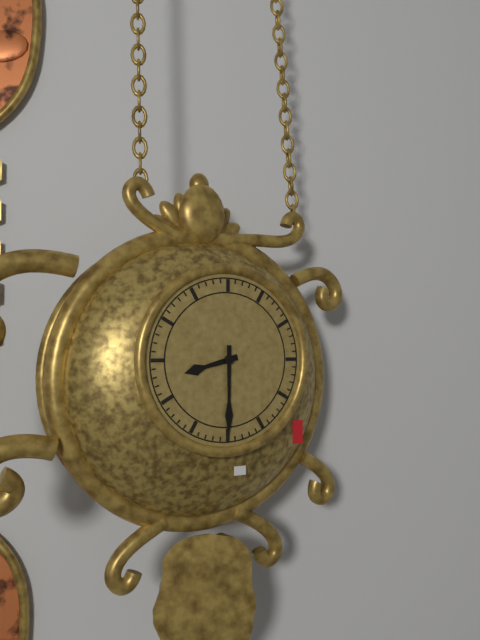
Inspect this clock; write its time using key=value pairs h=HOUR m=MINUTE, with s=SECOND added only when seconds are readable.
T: h=8 m=30
